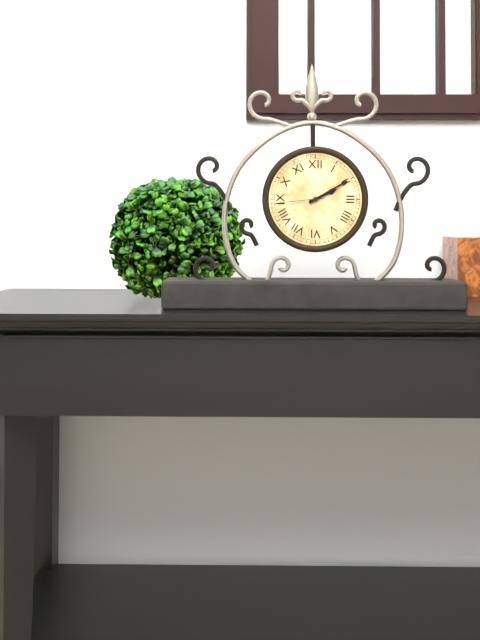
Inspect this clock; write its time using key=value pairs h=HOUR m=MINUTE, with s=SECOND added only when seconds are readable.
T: h=2 m=10 s=44
